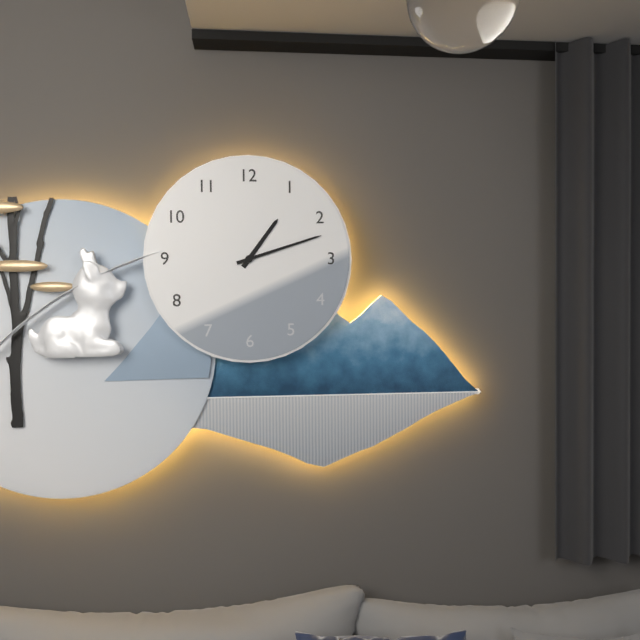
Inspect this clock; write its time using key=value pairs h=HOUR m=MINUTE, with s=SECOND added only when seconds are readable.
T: h=1 m=12
